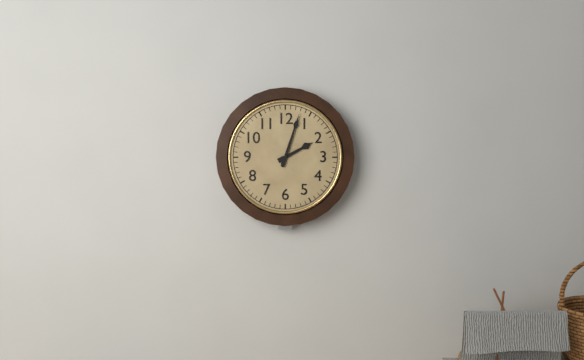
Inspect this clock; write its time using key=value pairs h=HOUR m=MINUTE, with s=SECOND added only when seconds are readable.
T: h=2 m=3
